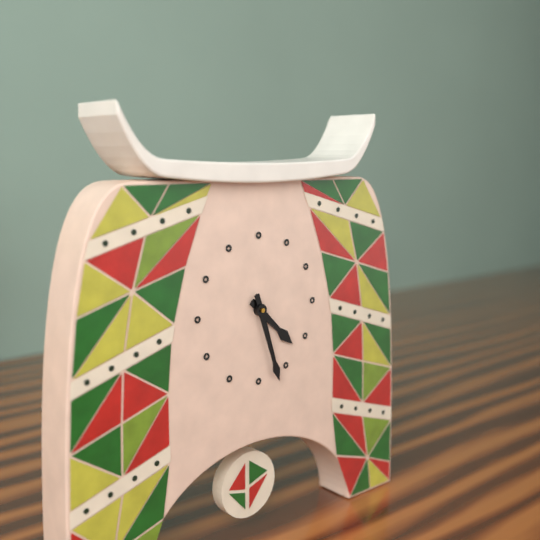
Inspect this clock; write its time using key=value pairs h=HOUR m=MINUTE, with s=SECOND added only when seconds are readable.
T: h=4 m=27
